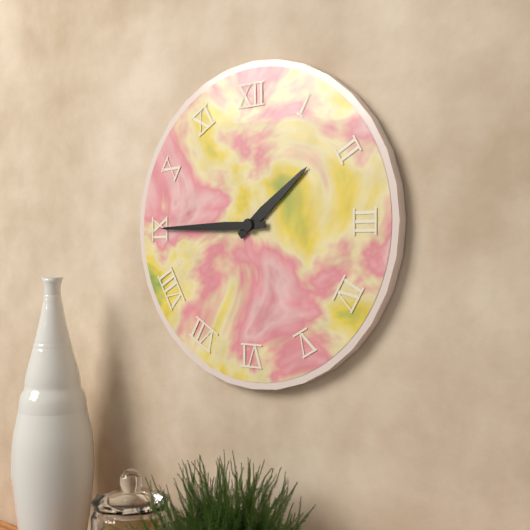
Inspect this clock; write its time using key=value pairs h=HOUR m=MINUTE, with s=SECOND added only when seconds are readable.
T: h=1 m=45
